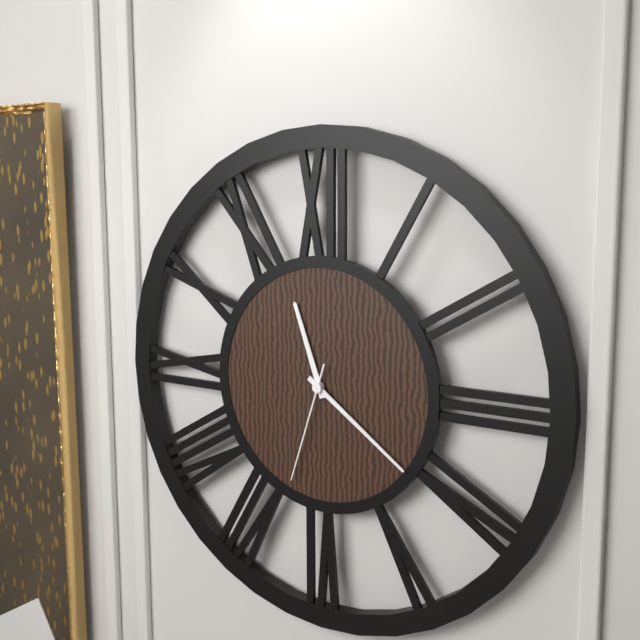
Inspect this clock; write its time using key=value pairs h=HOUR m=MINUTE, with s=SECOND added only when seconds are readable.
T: h=11 m=21 s=33
